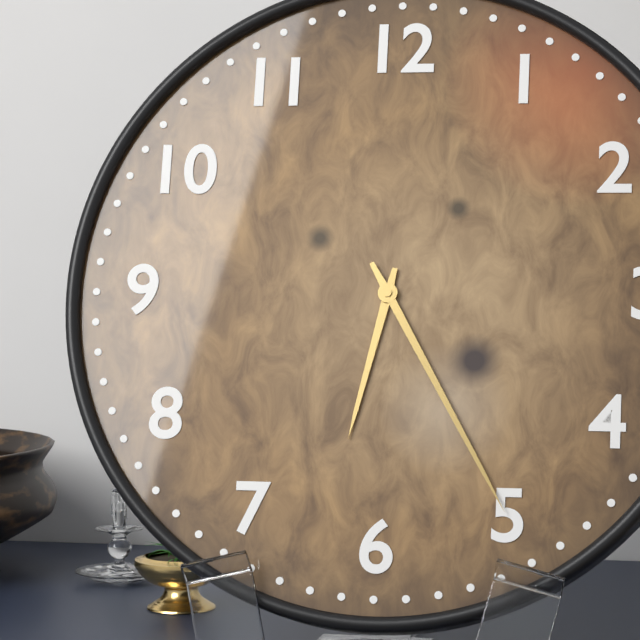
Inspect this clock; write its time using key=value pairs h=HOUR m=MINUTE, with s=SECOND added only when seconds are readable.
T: h=6 m=25
